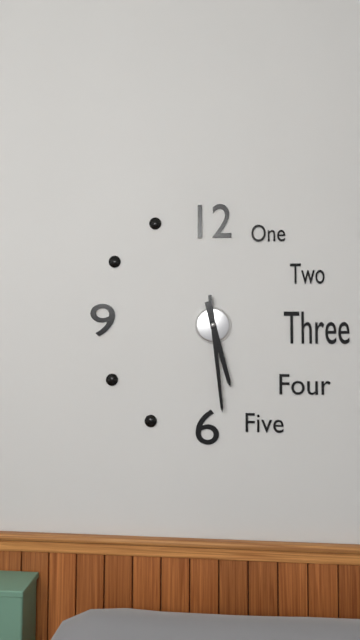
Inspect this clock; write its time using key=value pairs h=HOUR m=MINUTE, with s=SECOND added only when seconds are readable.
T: h=5 m=29
